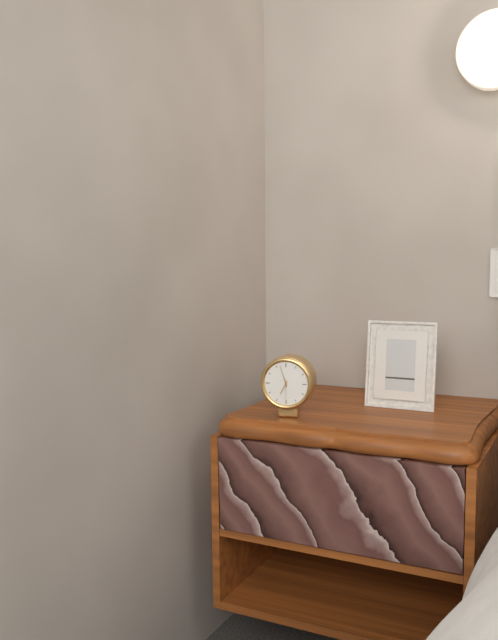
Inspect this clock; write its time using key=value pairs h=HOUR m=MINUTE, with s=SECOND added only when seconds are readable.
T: h=6 m=57
